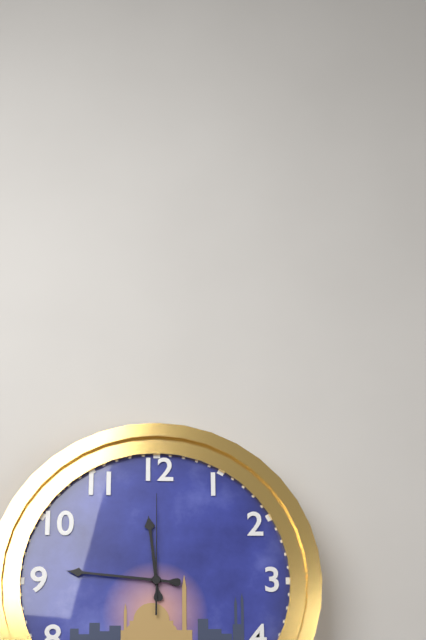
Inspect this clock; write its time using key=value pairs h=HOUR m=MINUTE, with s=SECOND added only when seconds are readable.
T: h=11 m=46 s=0
